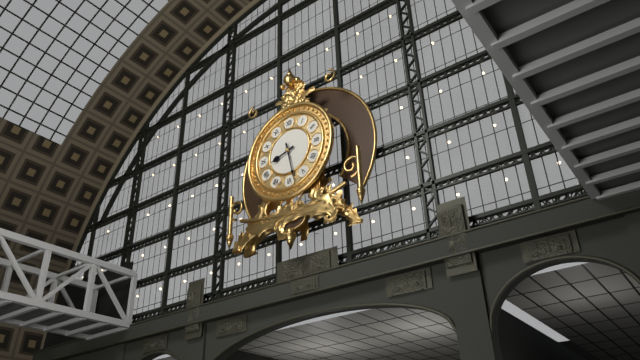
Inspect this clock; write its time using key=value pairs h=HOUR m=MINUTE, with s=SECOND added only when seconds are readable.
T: h=8 m=28
